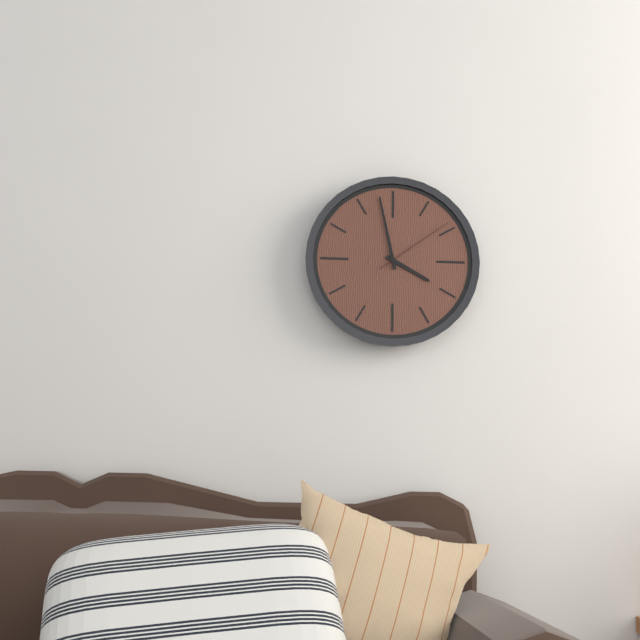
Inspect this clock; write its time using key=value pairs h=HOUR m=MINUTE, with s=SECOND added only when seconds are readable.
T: h=3 m=58 s=9
